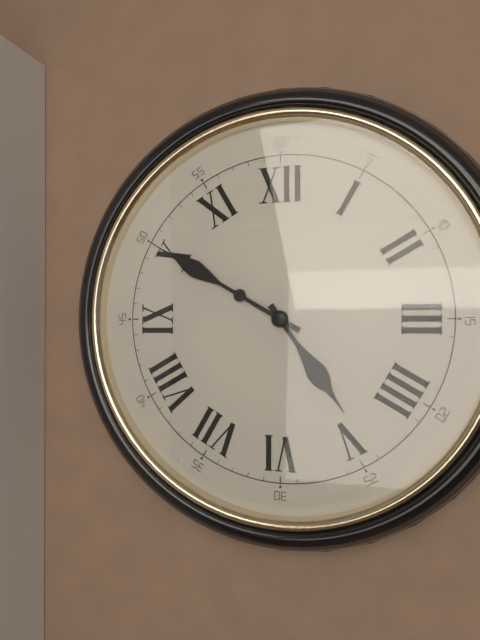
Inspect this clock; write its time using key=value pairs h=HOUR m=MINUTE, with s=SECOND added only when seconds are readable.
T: h=4 m=50
